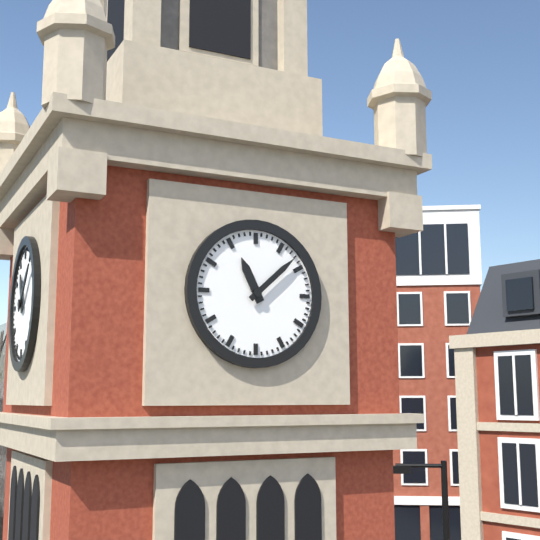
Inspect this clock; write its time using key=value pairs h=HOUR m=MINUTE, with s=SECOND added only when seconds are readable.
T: h=11 m=8
